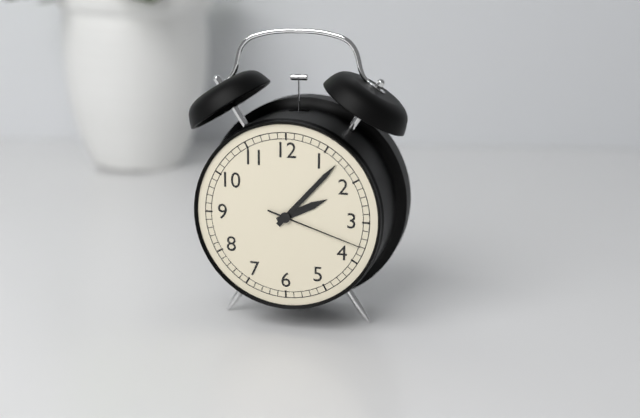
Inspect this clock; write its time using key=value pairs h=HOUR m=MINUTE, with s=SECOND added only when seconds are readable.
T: h=2 m=7 s=18
